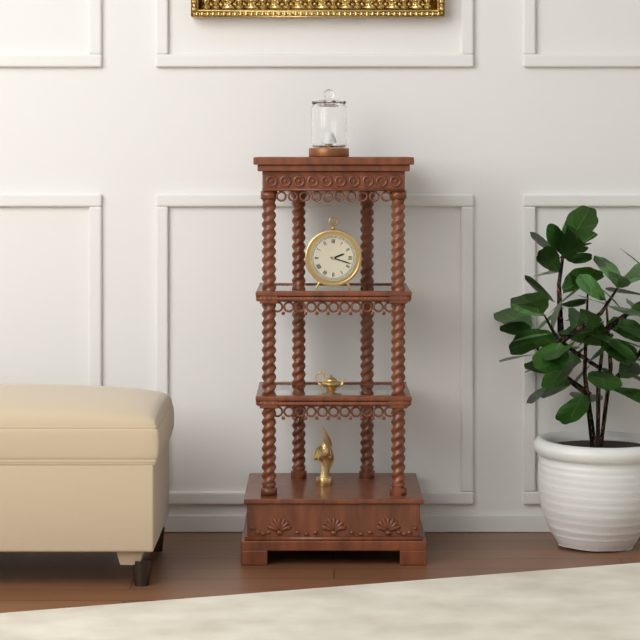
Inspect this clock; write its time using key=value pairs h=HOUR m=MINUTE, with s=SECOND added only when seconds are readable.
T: h=2 m=18
